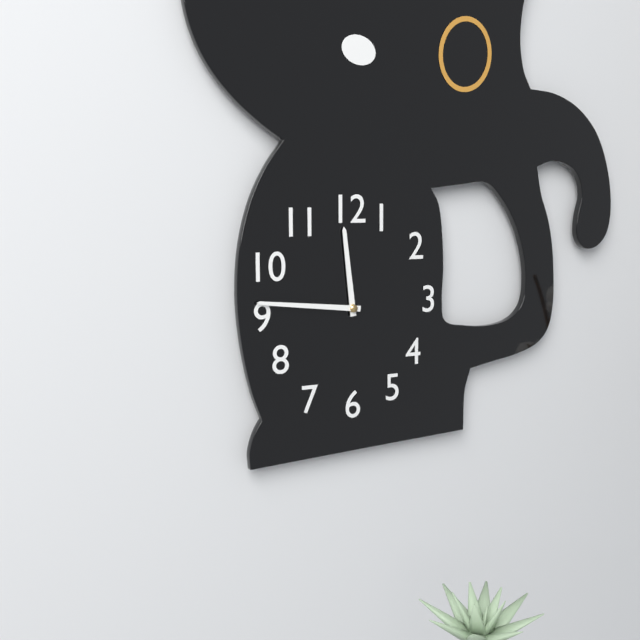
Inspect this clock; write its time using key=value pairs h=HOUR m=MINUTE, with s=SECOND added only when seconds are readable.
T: h=11 m=46
